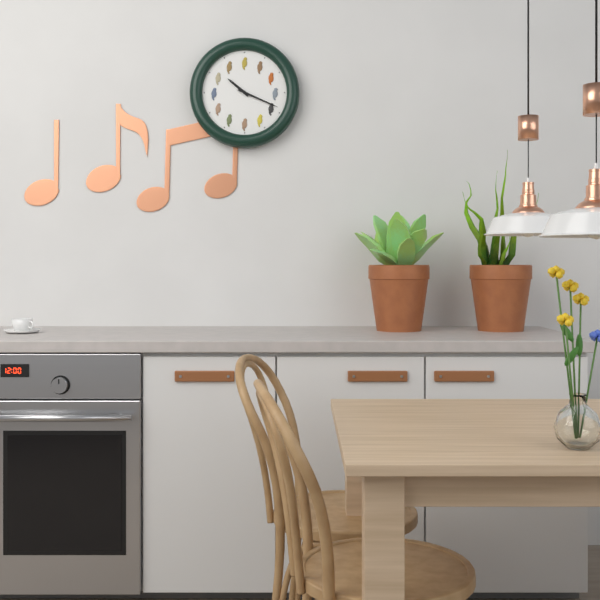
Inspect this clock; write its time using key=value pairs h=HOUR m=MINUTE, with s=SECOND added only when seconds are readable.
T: h=10 m=19
